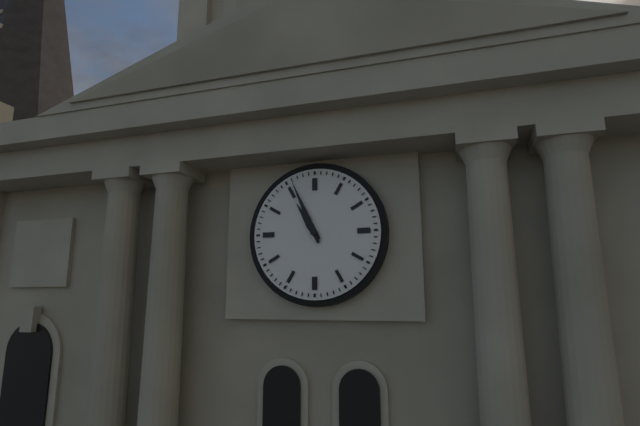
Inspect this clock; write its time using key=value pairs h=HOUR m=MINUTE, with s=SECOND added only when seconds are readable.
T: h=10 m=56
